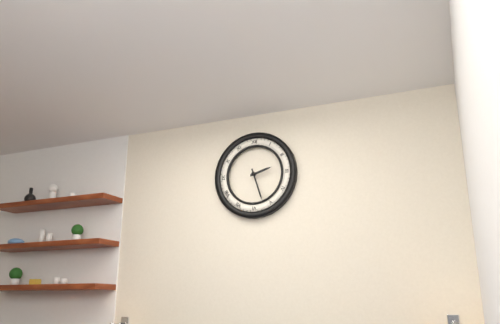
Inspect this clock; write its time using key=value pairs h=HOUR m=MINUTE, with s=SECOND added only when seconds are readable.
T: h=2 m=27
